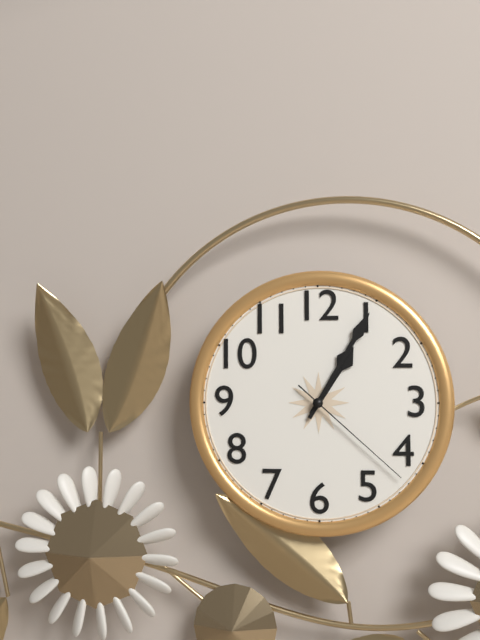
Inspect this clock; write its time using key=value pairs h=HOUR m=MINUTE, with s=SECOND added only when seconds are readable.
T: h=1 m=5 s=22
